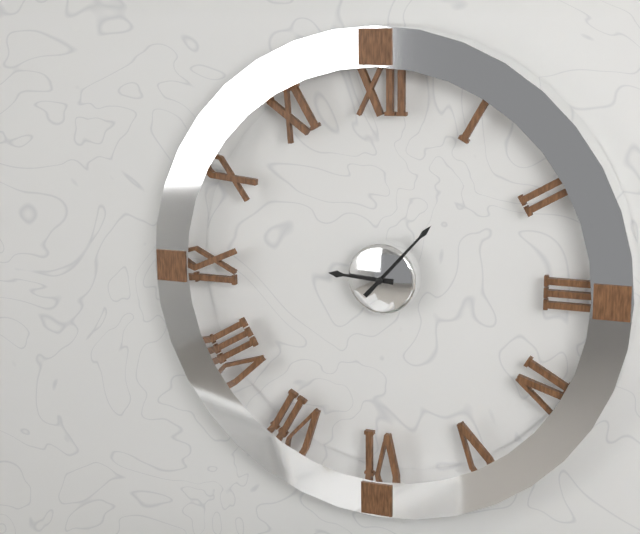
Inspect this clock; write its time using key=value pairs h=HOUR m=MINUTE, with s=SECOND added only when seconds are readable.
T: h=9 m=7
